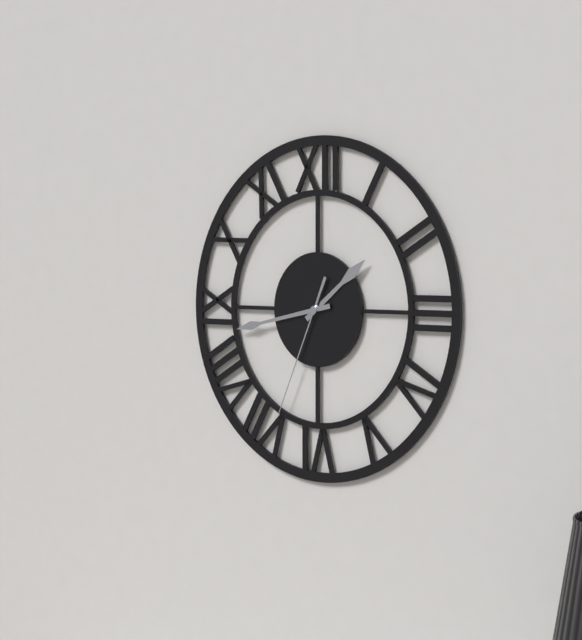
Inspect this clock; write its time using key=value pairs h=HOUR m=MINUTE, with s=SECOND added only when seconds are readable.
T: h=1 m=43 s=34
